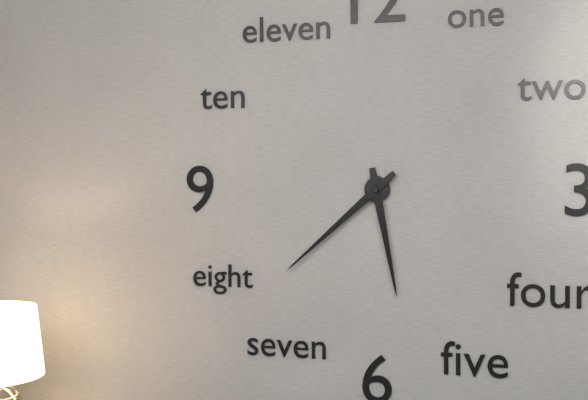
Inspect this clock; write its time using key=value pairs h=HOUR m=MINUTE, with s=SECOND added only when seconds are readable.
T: h=5 m=38
